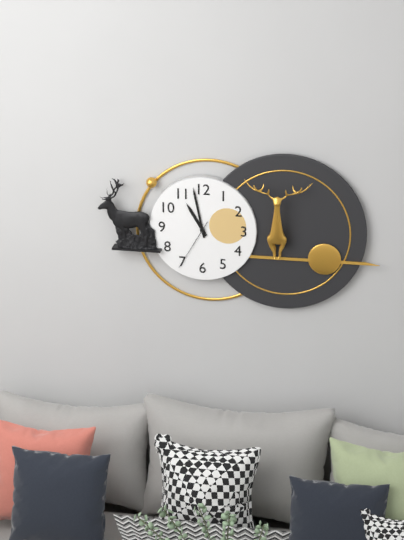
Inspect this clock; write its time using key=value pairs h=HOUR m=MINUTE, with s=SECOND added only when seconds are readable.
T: h=10 m=58 s=35
